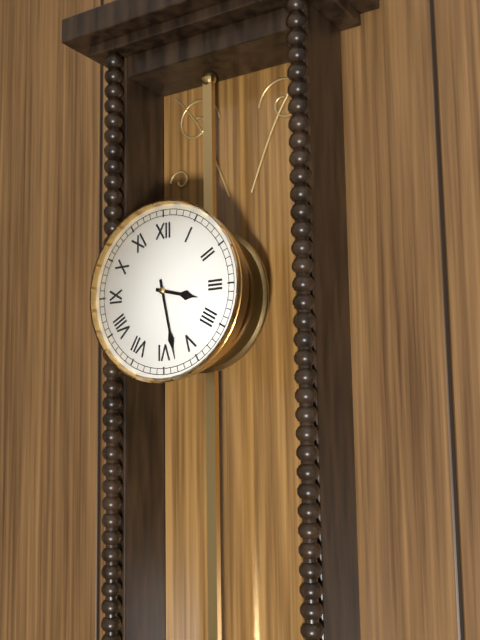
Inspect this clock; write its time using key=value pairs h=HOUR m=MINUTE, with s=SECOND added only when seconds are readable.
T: h=3 m=28
